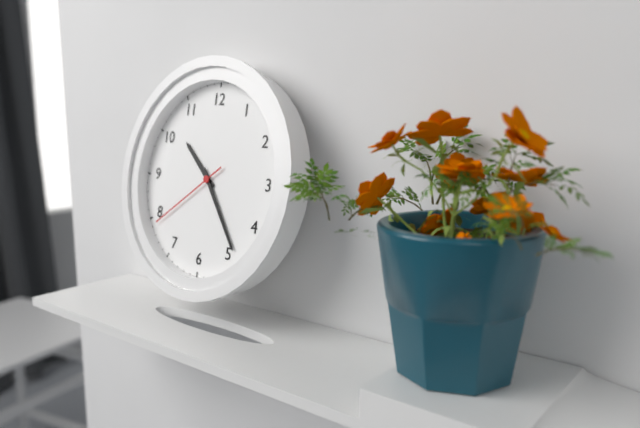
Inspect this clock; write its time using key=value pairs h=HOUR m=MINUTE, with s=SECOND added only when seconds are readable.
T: h=10 m=24 s=39
